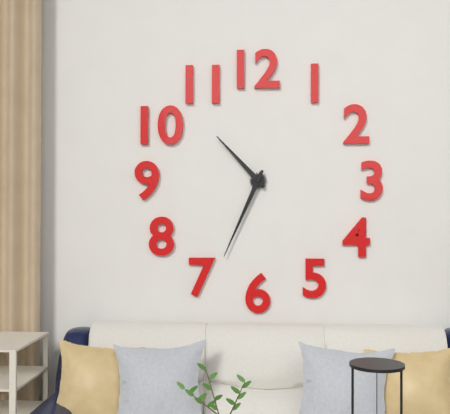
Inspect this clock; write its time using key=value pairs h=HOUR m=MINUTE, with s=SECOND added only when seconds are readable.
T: h=10 m=34
